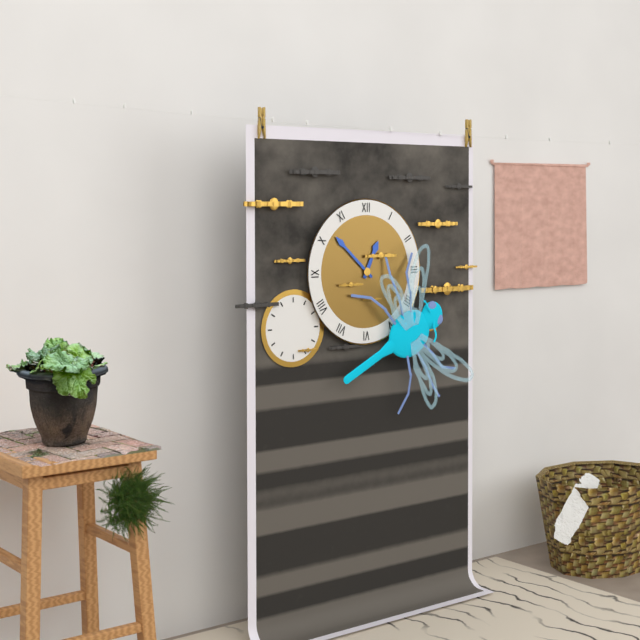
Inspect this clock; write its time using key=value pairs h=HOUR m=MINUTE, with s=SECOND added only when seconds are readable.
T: h=12 m=52
